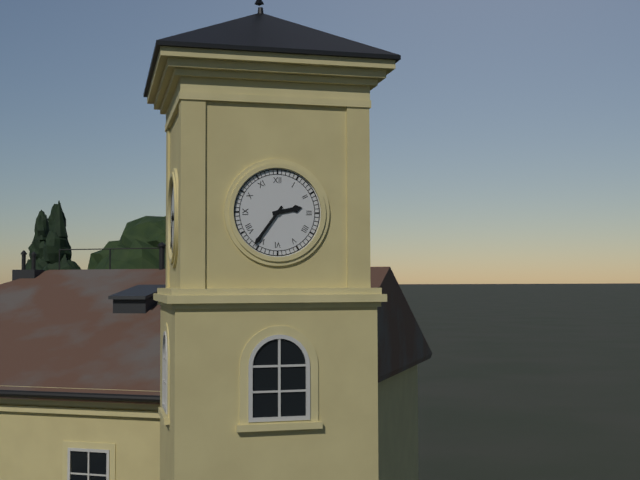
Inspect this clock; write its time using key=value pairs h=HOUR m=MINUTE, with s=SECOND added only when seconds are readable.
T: h=2 m=36
